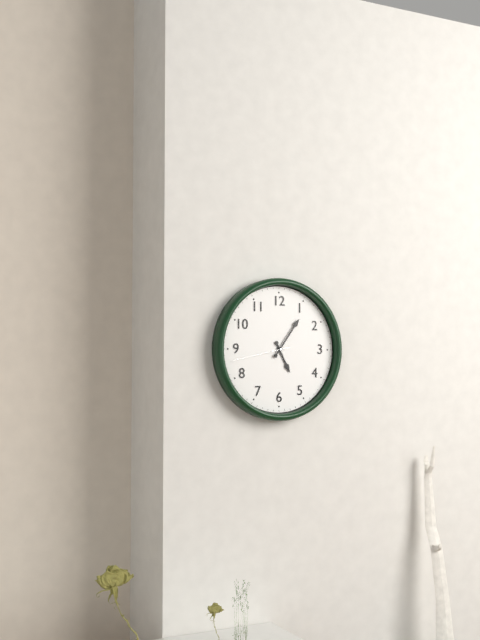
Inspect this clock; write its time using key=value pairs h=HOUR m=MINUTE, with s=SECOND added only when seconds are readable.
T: h=5 m=6 s=43
